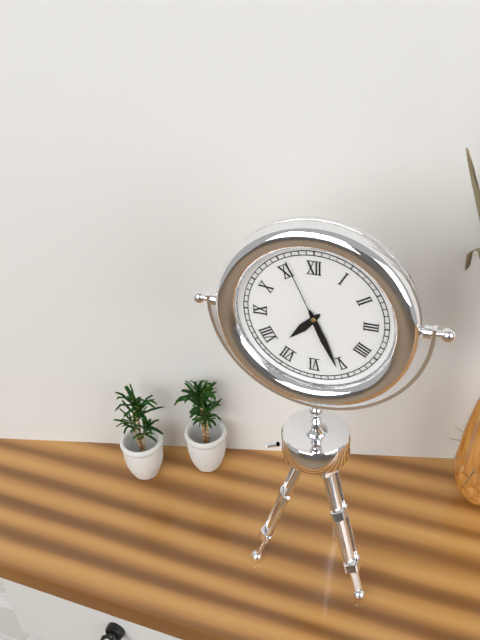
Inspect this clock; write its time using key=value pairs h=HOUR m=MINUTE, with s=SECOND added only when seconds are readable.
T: h=7 m=26 s=56
